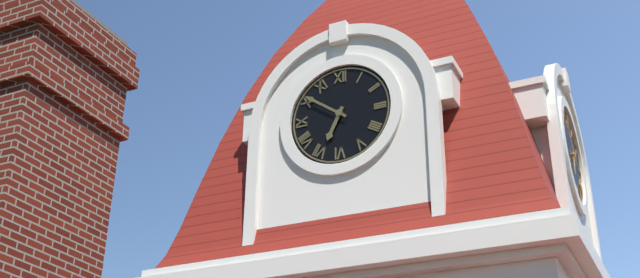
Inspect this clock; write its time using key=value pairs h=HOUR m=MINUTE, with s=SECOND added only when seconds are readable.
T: h=6 m=51
